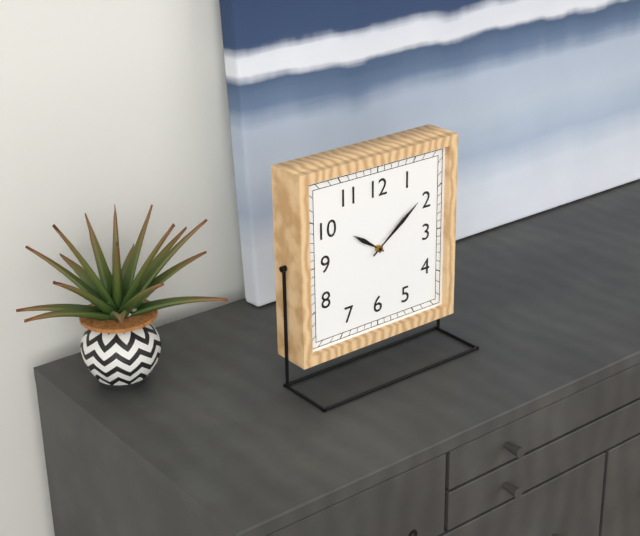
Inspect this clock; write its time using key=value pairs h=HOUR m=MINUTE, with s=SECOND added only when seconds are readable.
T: h=10 m=9
